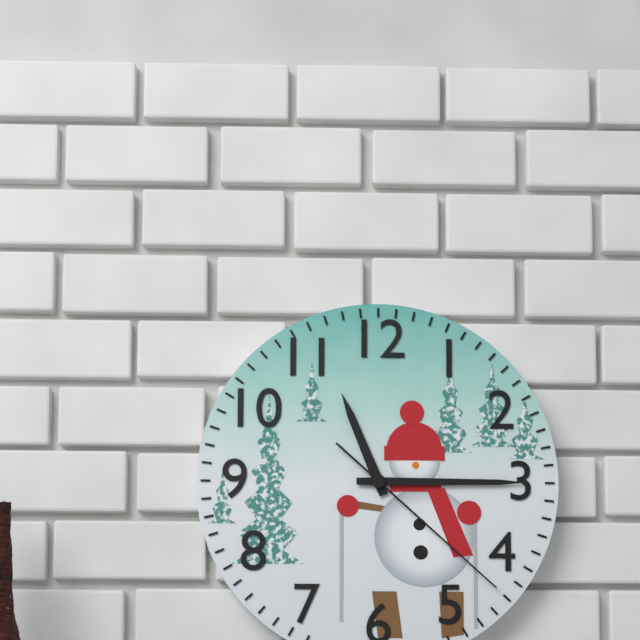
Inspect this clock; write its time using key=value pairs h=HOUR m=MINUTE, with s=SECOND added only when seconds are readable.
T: h=11 m=15 s=22
